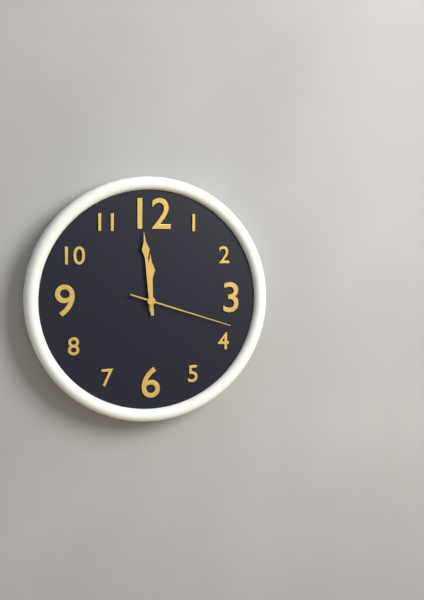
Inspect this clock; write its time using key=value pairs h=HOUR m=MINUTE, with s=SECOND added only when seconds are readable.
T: h=11 m=59 s=18
